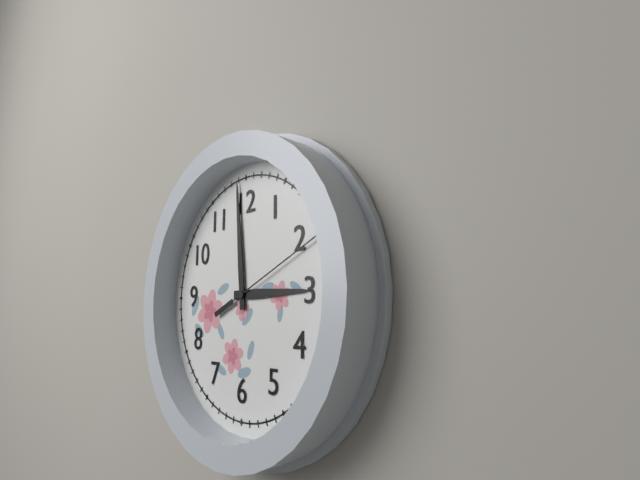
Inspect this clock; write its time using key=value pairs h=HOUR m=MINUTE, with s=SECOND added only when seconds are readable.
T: h=2 m=59 s=11
